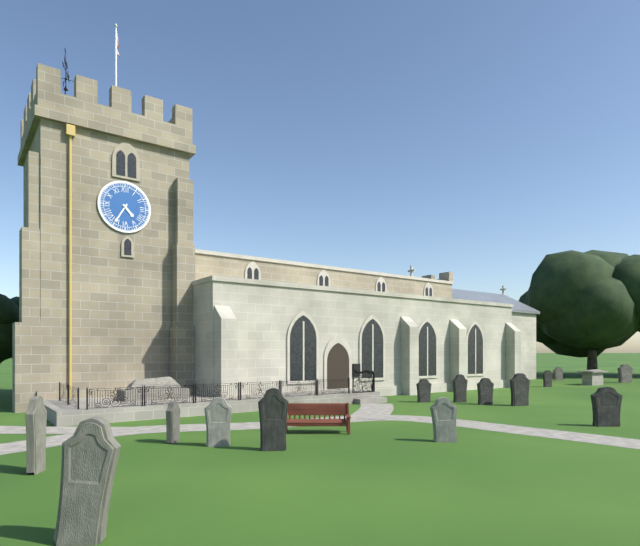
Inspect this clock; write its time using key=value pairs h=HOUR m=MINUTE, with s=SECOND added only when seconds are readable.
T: h=4 m=35
